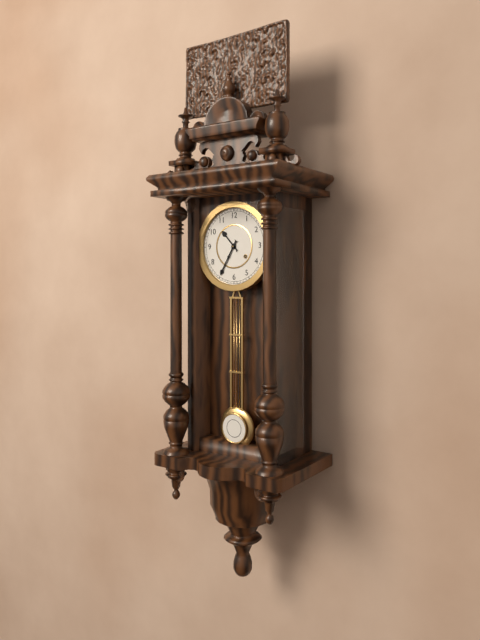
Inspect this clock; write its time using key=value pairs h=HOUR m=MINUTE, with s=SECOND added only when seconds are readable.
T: h=10 m=35
